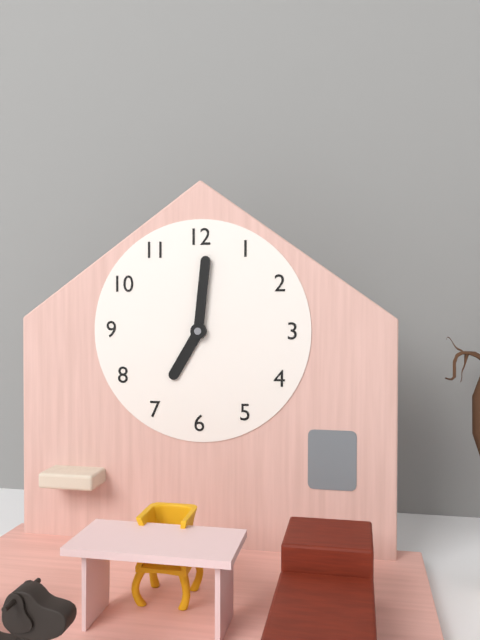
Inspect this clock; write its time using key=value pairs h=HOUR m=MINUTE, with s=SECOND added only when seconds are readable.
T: h=7 m=1
